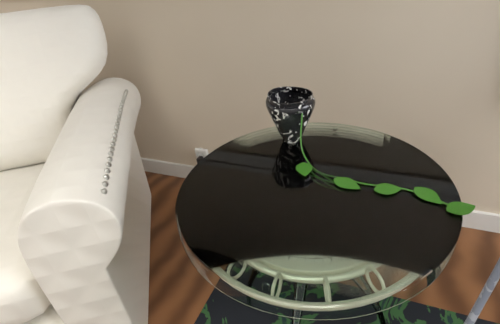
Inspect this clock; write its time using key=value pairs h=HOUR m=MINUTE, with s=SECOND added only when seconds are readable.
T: h=12 m=17
